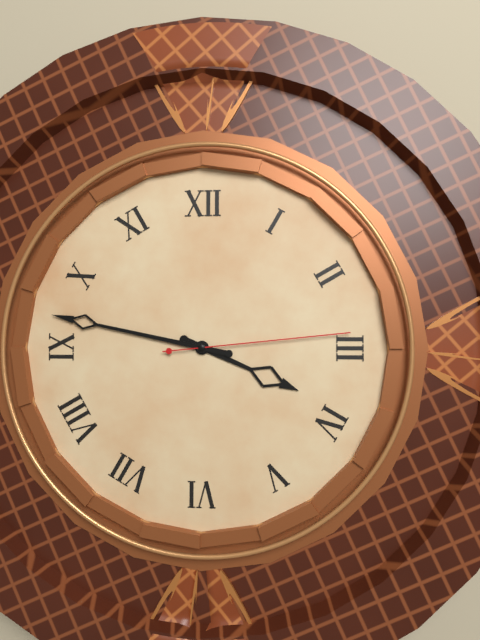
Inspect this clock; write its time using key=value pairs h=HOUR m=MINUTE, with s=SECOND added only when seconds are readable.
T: h=3 m=47 s=14
